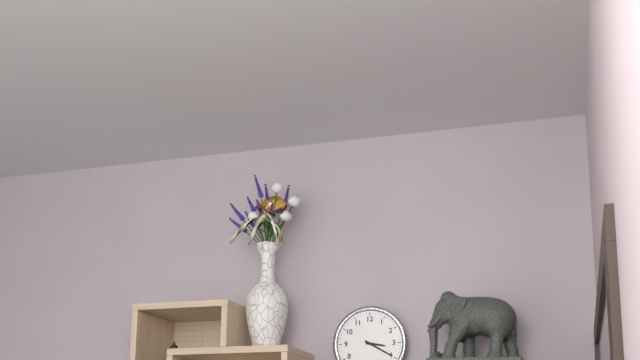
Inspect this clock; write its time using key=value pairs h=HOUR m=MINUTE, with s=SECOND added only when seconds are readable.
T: h=3 m=20
